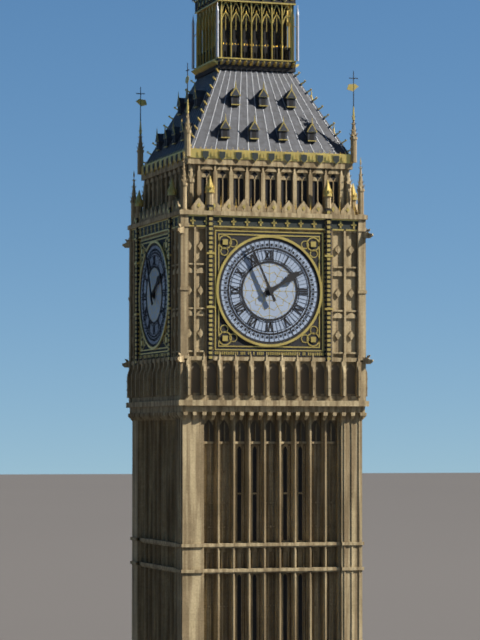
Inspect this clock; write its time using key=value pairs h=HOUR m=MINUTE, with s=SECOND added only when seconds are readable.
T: h=1 m=56
